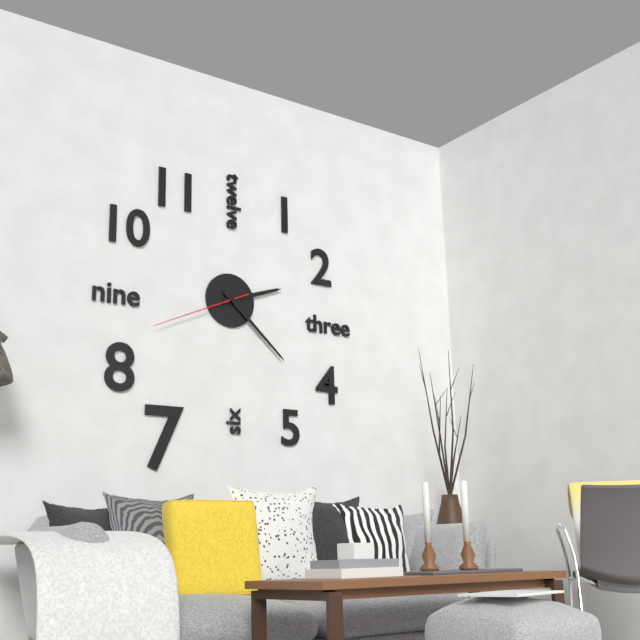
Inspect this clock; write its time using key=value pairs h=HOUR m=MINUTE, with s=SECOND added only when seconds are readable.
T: h=2 m=22 s=41
